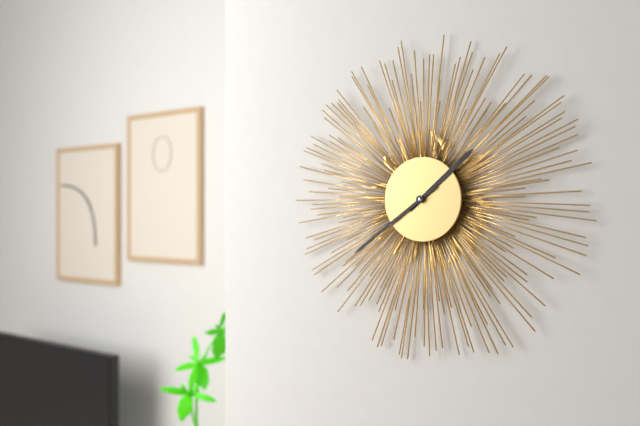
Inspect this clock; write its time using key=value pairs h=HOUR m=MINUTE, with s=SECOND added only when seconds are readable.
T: h=1 m=39
